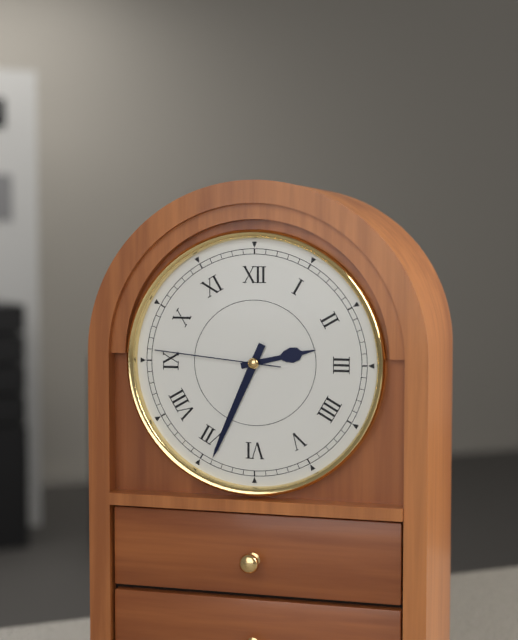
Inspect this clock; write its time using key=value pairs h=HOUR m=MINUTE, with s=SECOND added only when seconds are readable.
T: h=2 m=34 s=46
